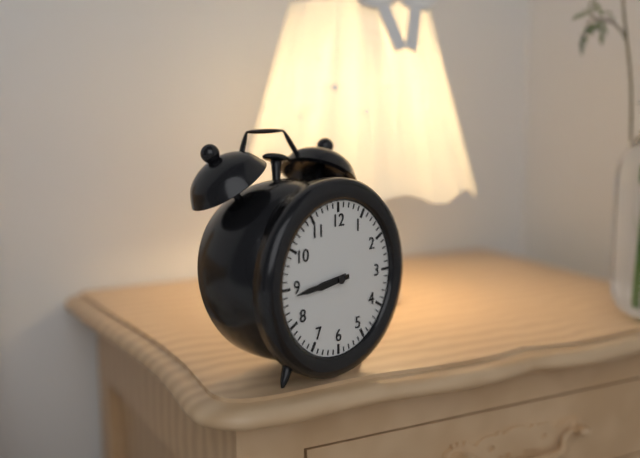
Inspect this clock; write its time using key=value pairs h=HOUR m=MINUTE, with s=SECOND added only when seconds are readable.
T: h=8 m=44
